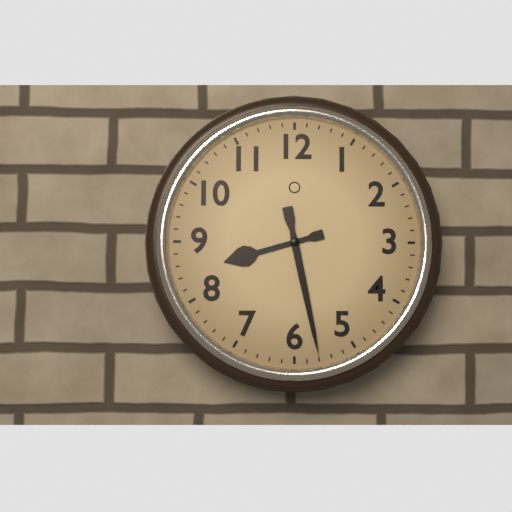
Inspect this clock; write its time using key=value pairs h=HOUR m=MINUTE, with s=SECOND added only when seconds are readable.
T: h=8 m=28
